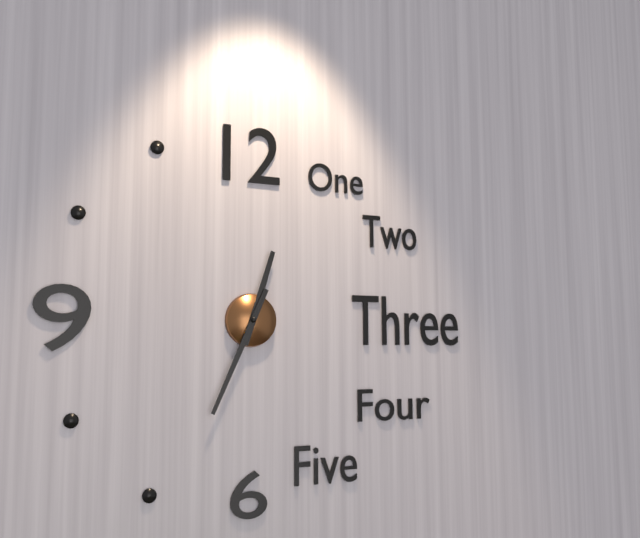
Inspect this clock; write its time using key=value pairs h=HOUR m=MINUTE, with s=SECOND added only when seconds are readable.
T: h=12 m=34
